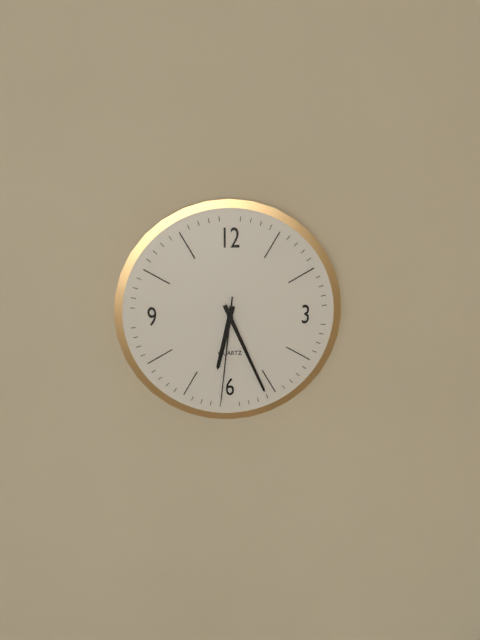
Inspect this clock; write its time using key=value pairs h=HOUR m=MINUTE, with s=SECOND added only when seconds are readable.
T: h=6 m=26 s=31
